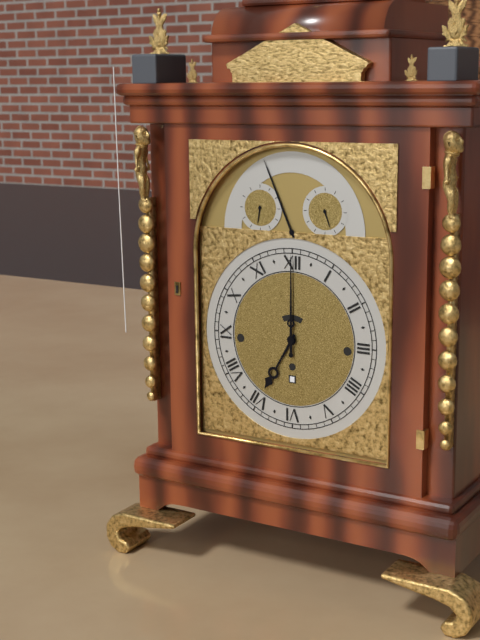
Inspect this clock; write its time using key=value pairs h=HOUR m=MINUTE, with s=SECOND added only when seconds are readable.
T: h=7 m=0
